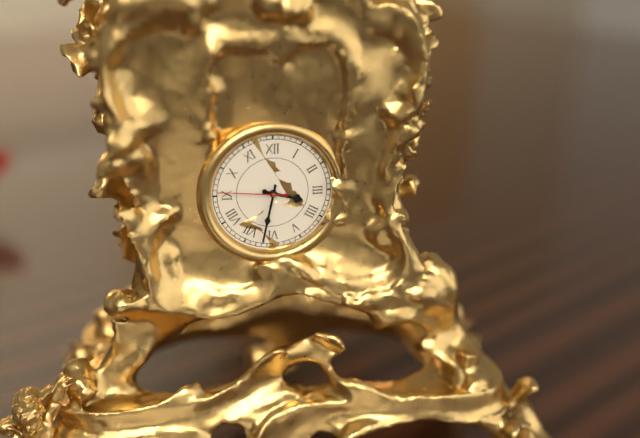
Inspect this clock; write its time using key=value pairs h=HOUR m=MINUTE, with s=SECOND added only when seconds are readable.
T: h=3 m=32 s=46
